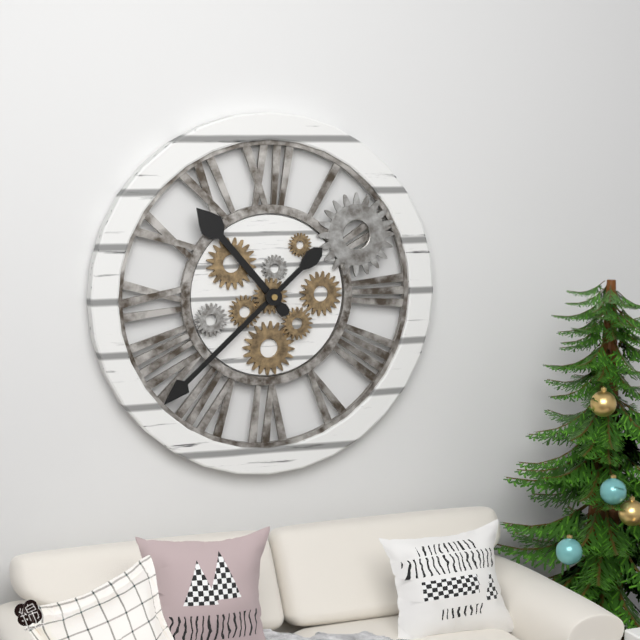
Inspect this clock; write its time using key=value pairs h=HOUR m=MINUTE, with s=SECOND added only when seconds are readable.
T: h=10 m=38
